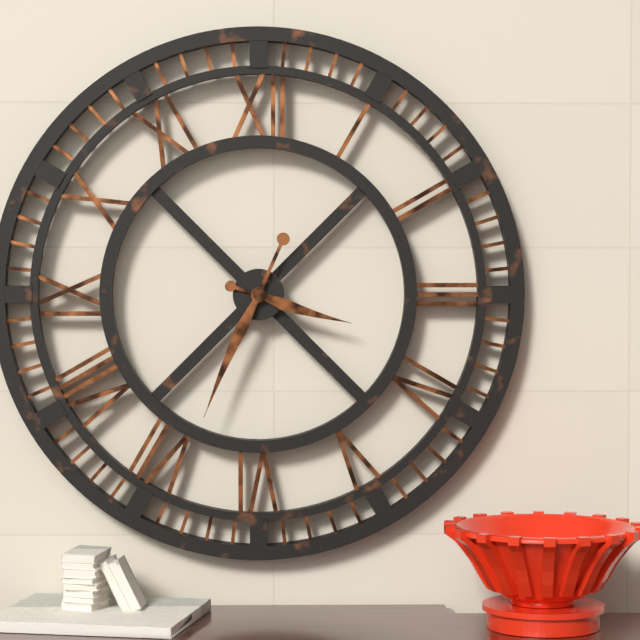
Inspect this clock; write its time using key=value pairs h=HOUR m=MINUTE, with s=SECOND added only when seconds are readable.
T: h=3 m=34
